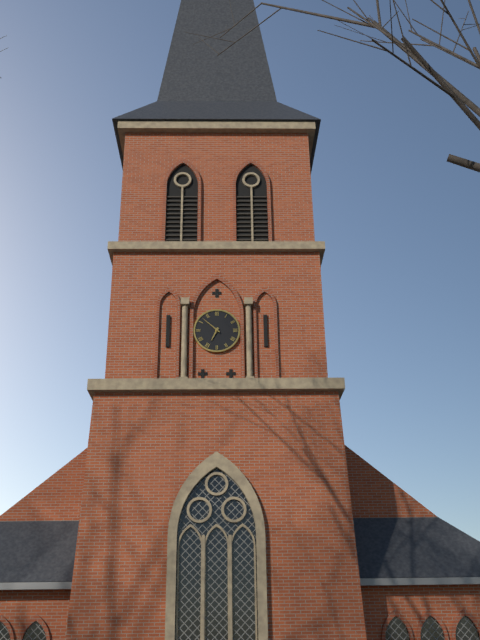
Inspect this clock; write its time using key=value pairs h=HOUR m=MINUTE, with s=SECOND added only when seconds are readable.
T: h=6 m=52
